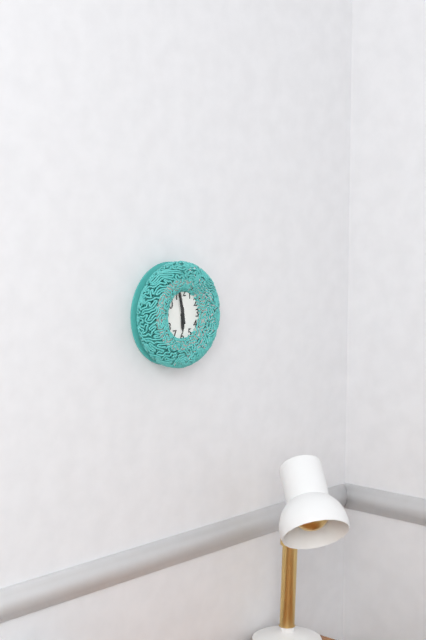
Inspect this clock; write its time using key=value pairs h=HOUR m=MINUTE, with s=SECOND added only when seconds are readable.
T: h=5 m=58
